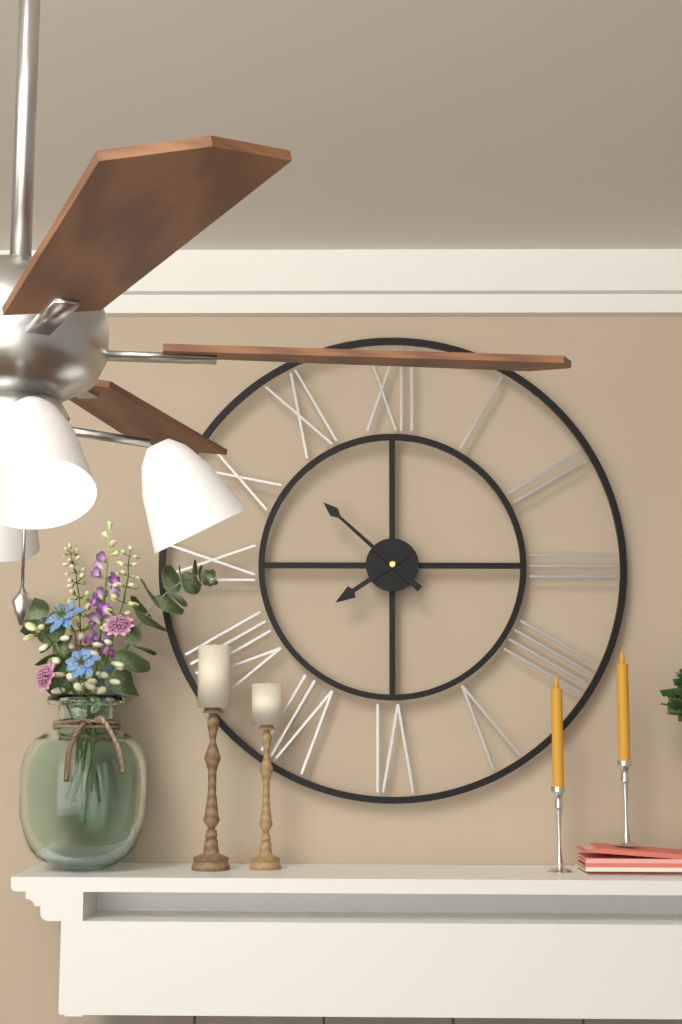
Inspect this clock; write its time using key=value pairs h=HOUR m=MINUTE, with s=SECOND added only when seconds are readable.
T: h=7 m=52
